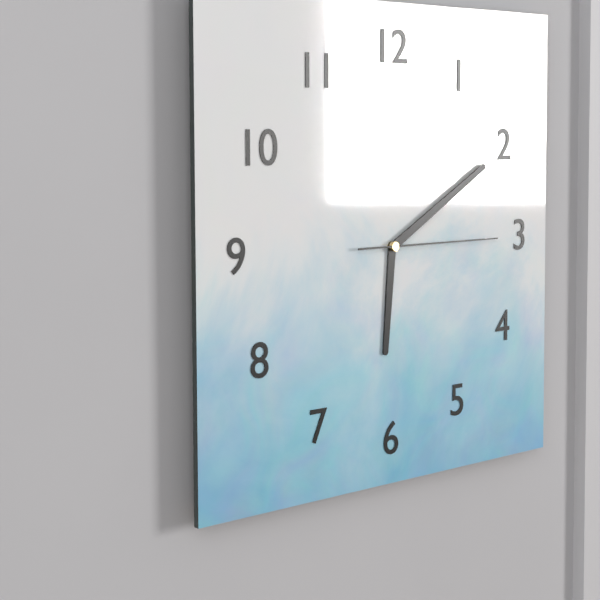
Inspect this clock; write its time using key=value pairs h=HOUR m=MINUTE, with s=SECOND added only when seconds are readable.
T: h=6 m=10 s=15
